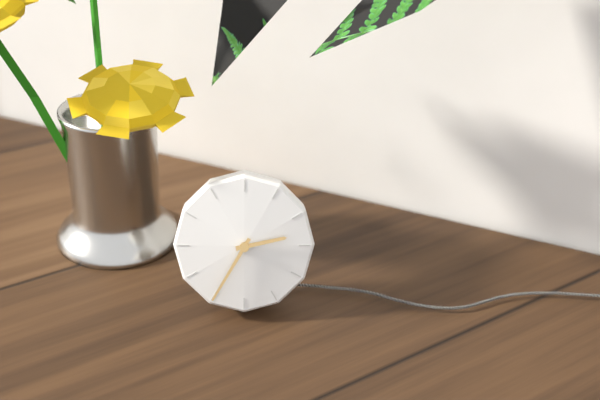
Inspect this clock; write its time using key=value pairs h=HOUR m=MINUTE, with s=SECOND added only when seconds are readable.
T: h=2 m=35
